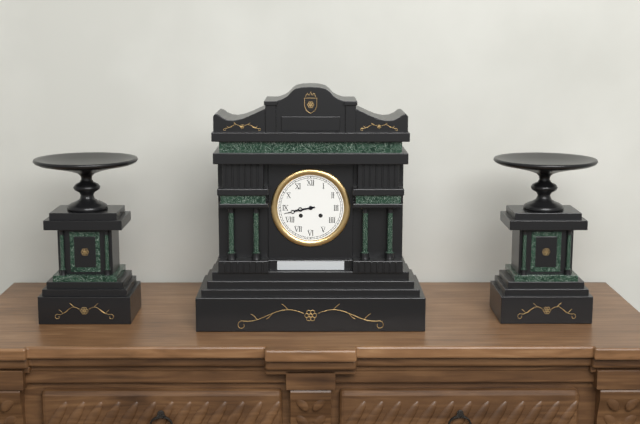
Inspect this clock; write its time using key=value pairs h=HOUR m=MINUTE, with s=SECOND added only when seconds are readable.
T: h=8 m=43
